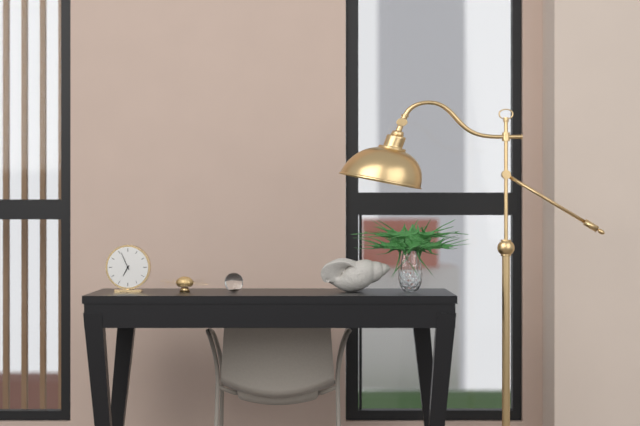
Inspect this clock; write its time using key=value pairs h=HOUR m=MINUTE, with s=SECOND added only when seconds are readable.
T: h=6 m=56
